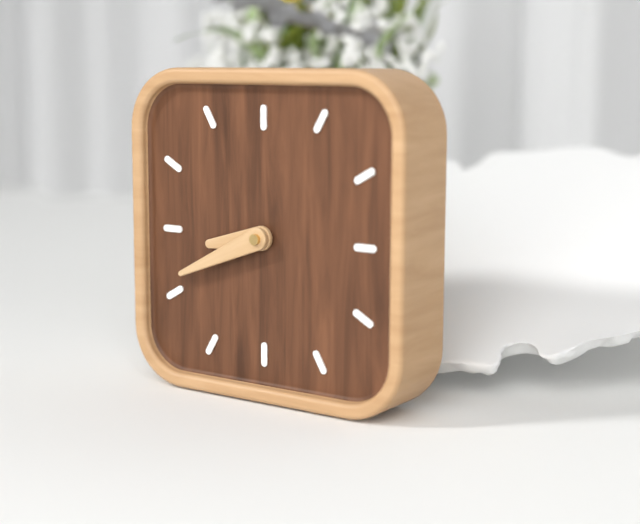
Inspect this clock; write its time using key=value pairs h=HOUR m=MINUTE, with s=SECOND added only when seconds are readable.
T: h=8 m=41
